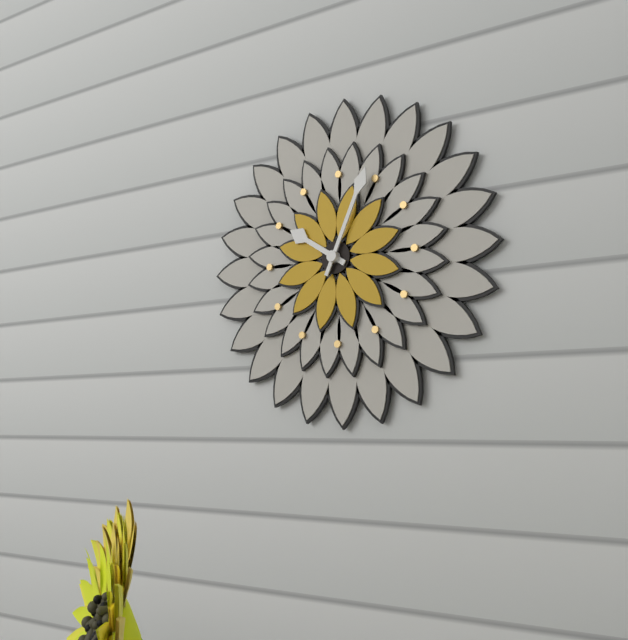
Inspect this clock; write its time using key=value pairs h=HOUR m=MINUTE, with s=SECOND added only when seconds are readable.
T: h=10 m=4
